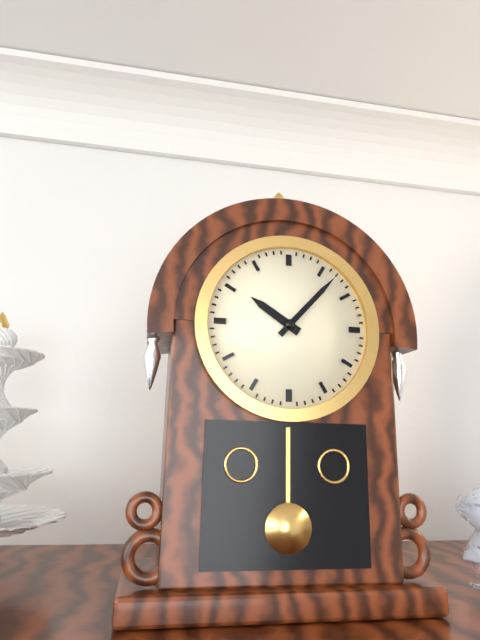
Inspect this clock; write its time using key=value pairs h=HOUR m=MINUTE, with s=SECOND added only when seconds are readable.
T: h=10 m=7
